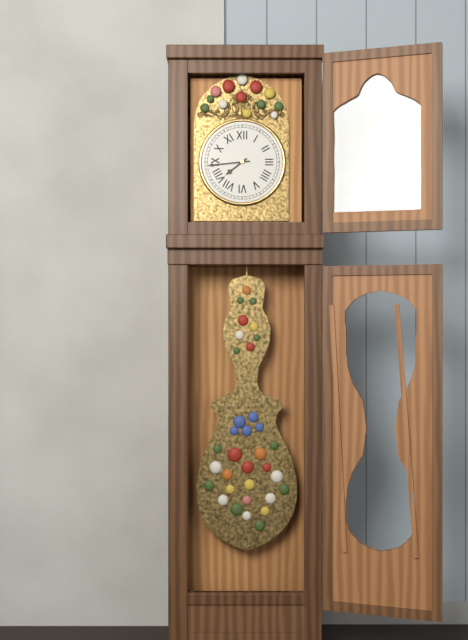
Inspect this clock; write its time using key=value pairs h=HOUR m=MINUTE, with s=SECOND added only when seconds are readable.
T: h=7 m=44
